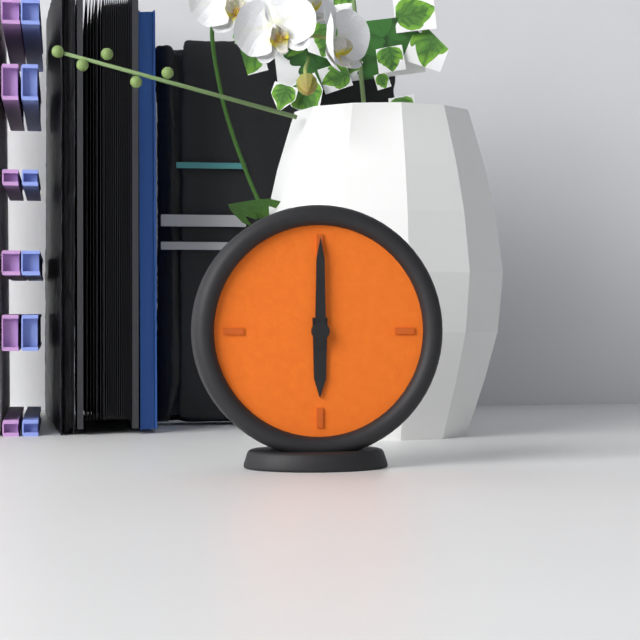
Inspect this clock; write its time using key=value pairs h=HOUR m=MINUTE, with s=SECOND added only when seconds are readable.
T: h=6 m=0
